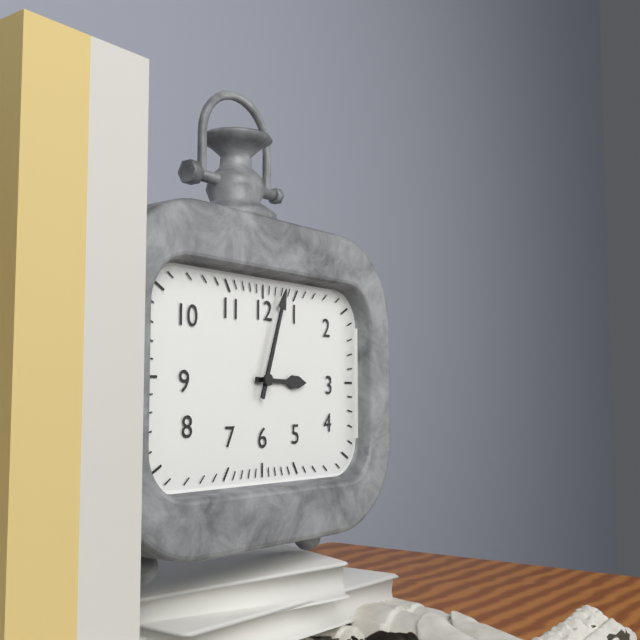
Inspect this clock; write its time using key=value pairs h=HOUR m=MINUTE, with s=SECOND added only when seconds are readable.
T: h=3 m=3
